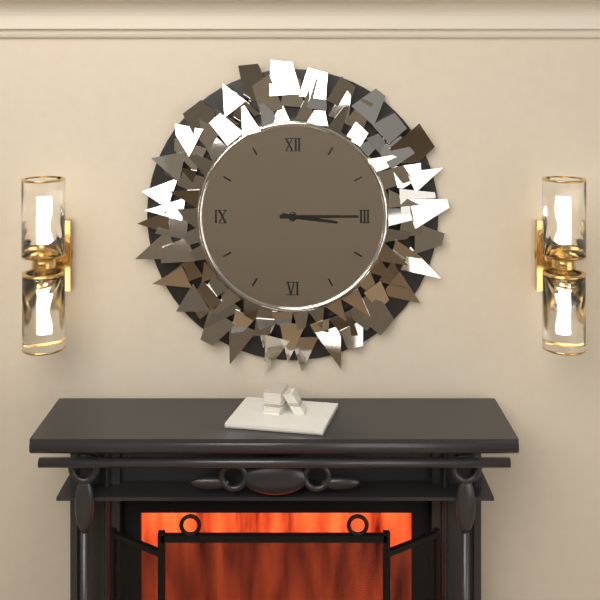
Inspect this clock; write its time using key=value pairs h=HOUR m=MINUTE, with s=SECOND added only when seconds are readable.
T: h=3 m=15
